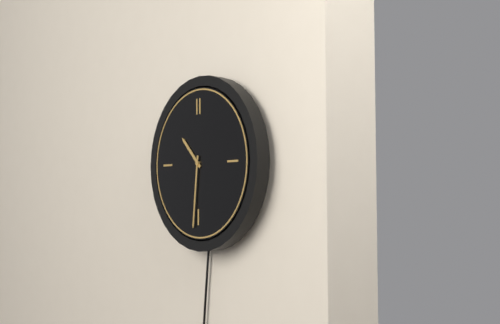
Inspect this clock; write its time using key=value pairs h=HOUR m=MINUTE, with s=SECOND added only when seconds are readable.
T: h=10 m=31
